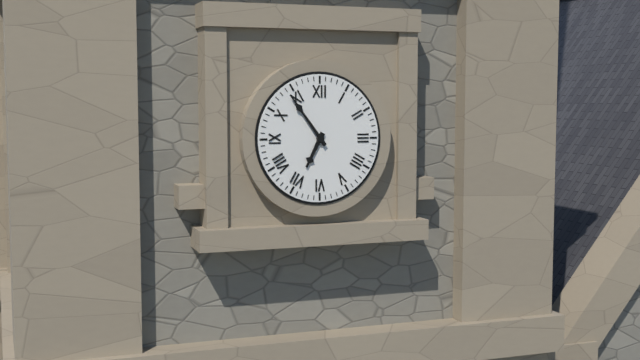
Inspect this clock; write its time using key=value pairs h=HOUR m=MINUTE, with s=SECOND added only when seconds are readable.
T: h=6 m=54
